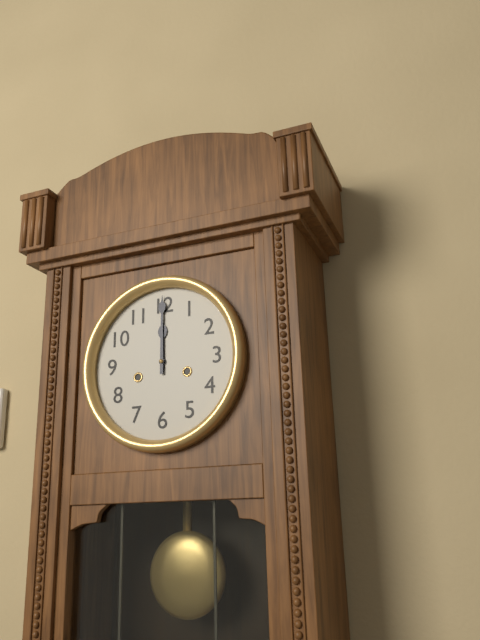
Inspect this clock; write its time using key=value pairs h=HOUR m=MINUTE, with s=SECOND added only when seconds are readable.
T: h=12 m=0
